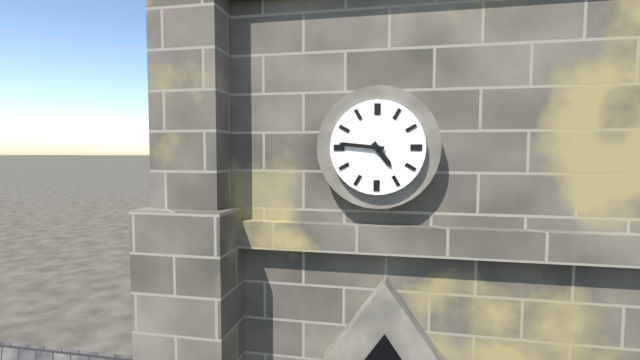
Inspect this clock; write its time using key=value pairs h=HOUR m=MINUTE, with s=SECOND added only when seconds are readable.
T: h=4 m=46
